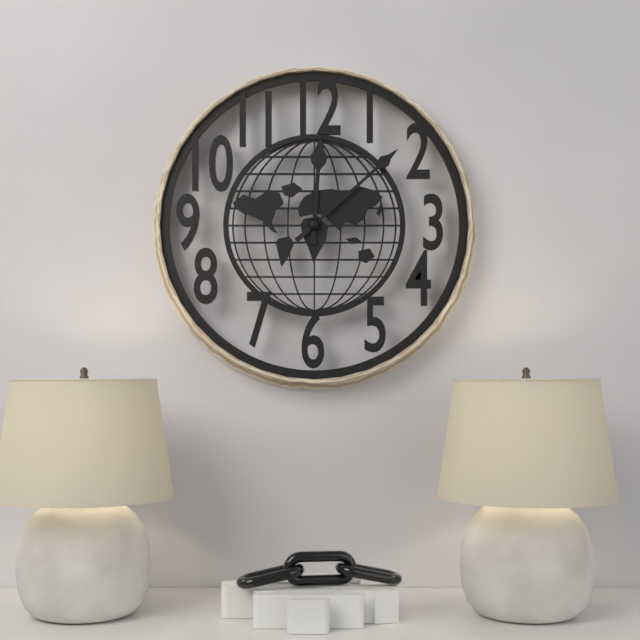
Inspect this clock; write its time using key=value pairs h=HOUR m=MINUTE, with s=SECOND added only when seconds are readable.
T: h=12 m=8
